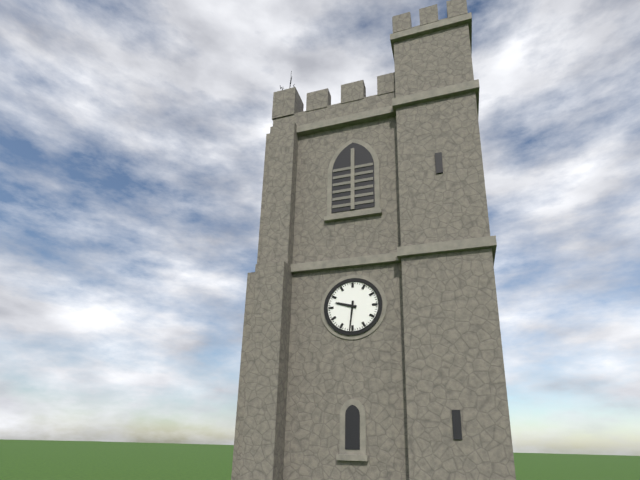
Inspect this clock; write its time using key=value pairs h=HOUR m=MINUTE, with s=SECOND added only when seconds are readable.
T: h=9 m=31
